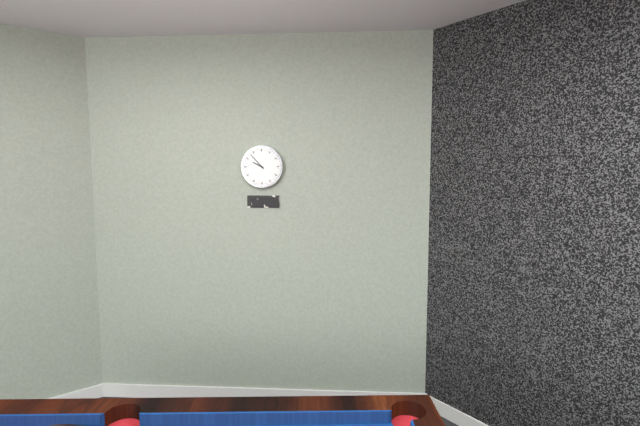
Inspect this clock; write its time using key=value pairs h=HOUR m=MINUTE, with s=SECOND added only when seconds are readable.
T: h=9 m=53
